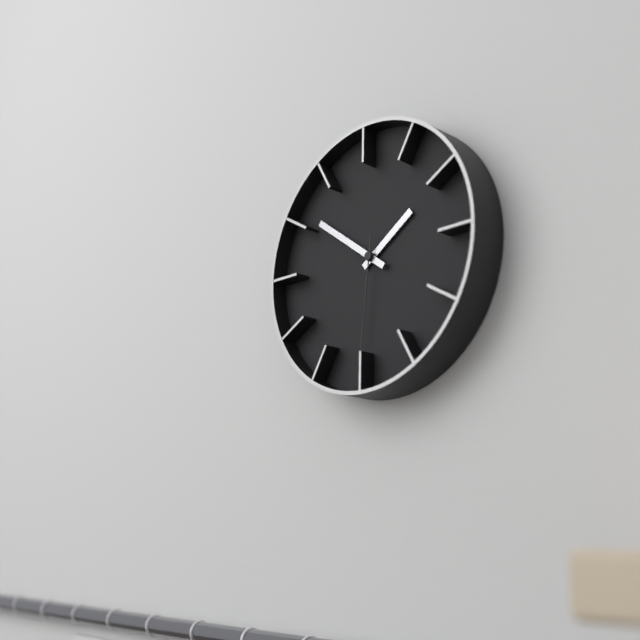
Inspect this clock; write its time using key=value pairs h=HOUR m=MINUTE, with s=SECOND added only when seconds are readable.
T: h=1 m=51 s=31
